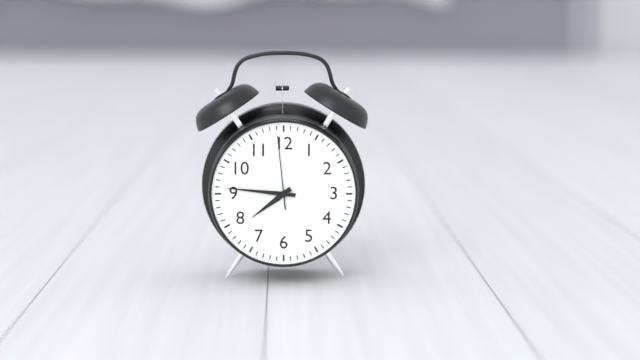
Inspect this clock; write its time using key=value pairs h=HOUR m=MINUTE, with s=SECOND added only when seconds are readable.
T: h=7 m=46 s=59
